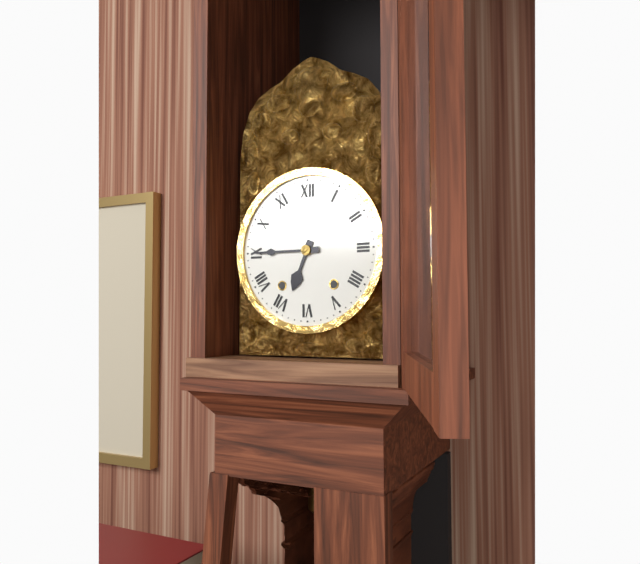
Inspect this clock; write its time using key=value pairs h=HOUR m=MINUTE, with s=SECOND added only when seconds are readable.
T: h=6 m=45
